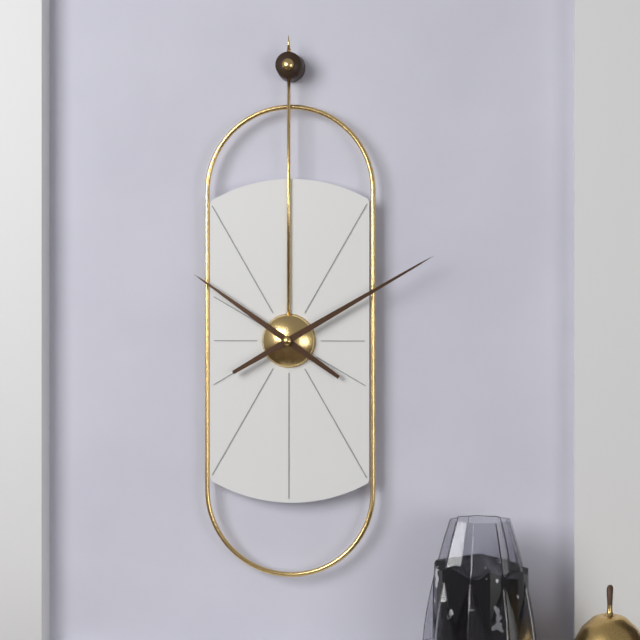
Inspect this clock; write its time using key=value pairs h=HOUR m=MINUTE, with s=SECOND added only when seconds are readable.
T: h=10 m=10
